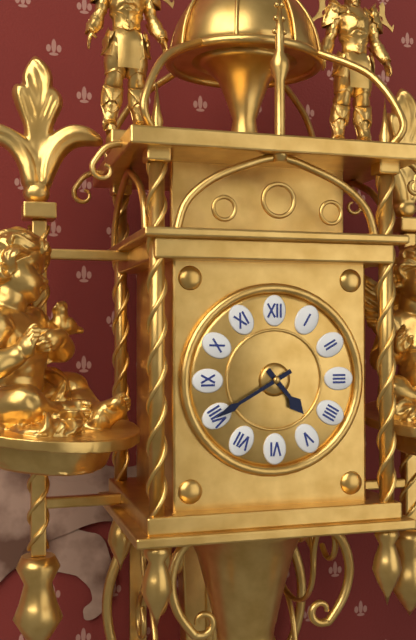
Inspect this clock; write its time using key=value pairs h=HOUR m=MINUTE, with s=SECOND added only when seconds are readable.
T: h=4 m=40
